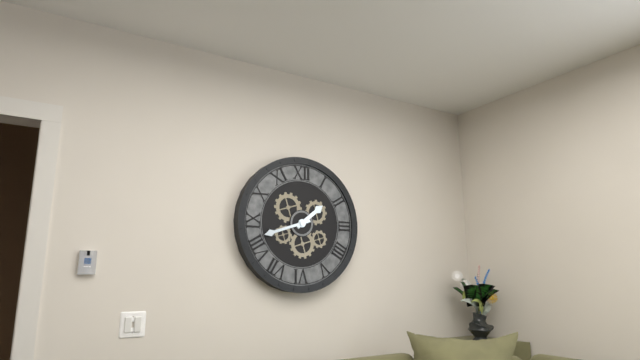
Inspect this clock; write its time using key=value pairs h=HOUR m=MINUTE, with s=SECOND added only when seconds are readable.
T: h=1 m=42
